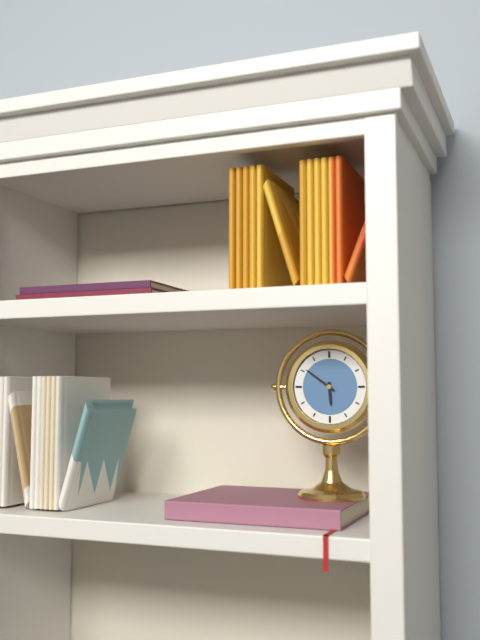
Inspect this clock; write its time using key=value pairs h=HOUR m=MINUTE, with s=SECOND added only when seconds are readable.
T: h=5 m=51
